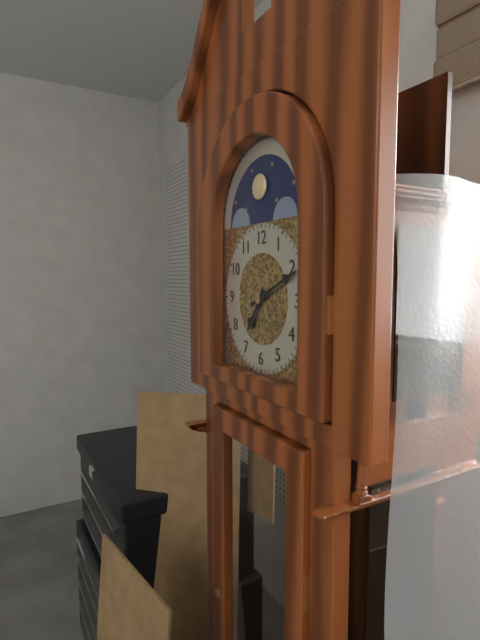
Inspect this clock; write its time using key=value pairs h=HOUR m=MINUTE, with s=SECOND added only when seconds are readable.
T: h=7 m=11
